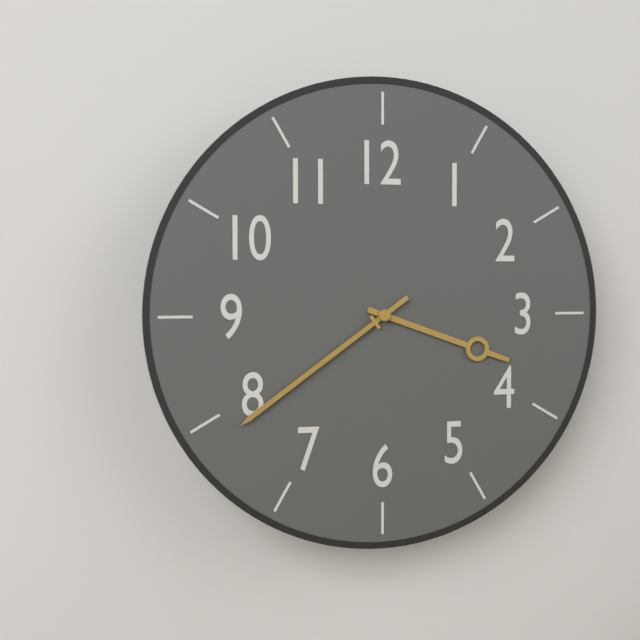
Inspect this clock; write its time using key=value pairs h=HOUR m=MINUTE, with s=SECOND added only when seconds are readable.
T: h=3 m=39
